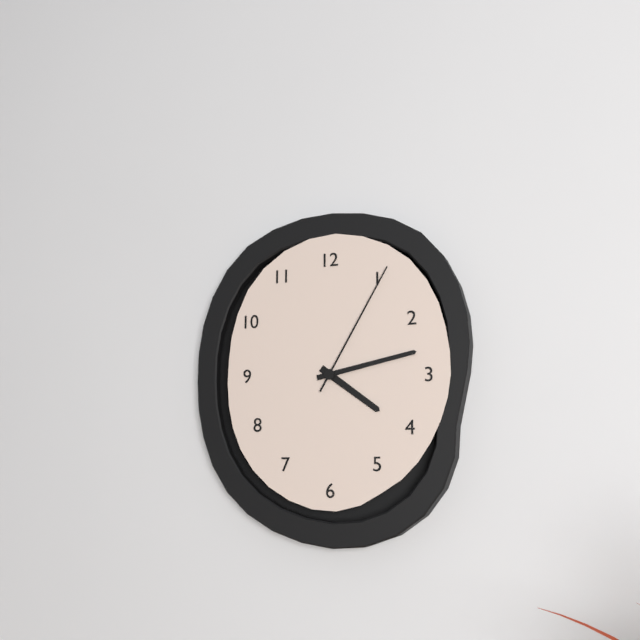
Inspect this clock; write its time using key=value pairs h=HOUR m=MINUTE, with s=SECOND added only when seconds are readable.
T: h=4 m=13 s=5
